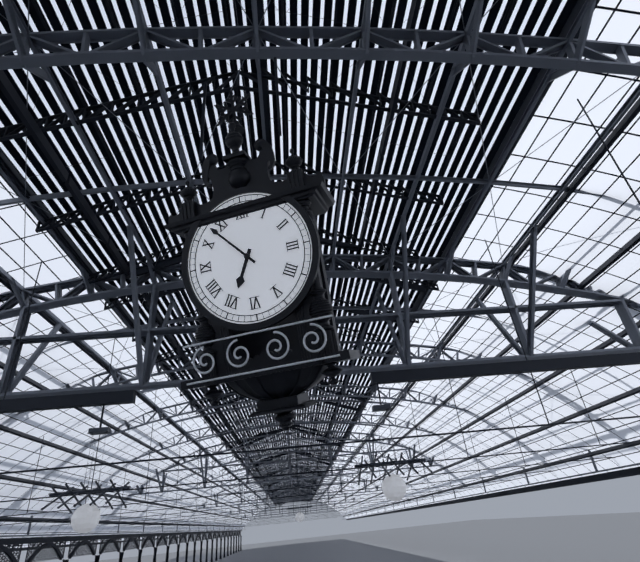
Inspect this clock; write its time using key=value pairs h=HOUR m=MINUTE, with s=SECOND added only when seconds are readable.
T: h=6 m=53
